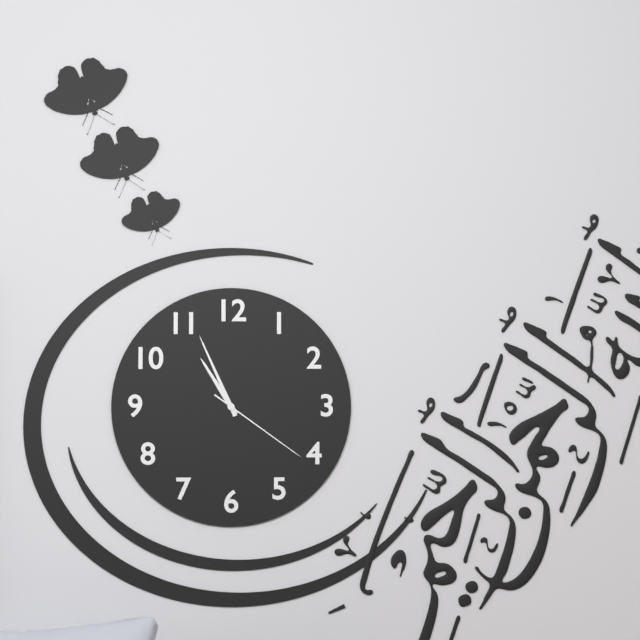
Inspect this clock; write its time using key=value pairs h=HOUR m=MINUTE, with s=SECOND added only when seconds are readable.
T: h=10 m=56 s=21
